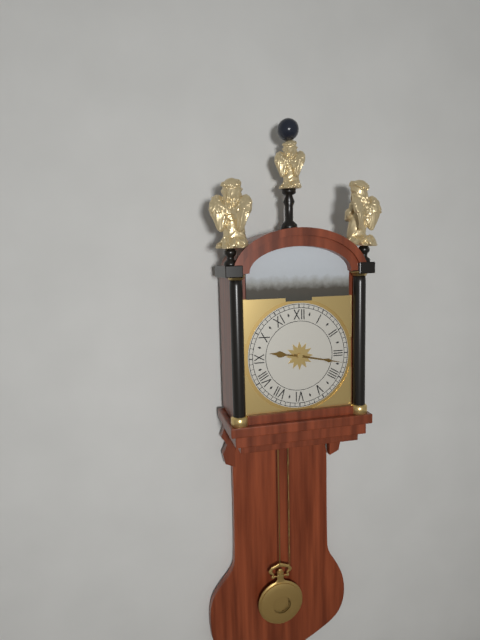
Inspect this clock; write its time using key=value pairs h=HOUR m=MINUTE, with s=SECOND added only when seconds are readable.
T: h=9 m=17
